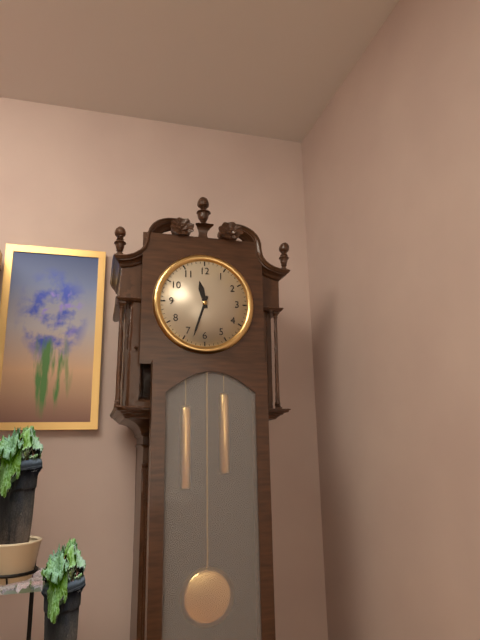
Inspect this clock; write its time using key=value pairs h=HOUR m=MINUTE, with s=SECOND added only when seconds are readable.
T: h=11 m=33
